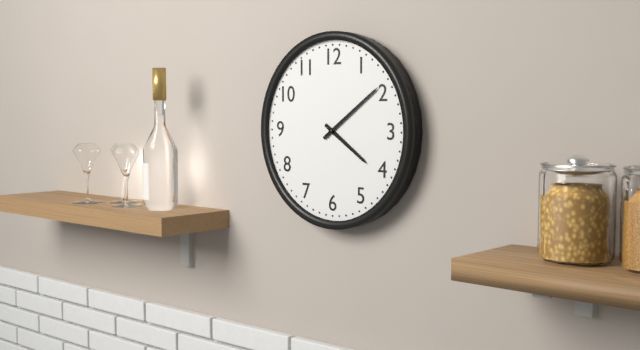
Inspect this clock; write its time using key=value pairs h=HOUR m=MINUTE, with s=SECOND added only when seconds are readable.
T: h=4 m=9
